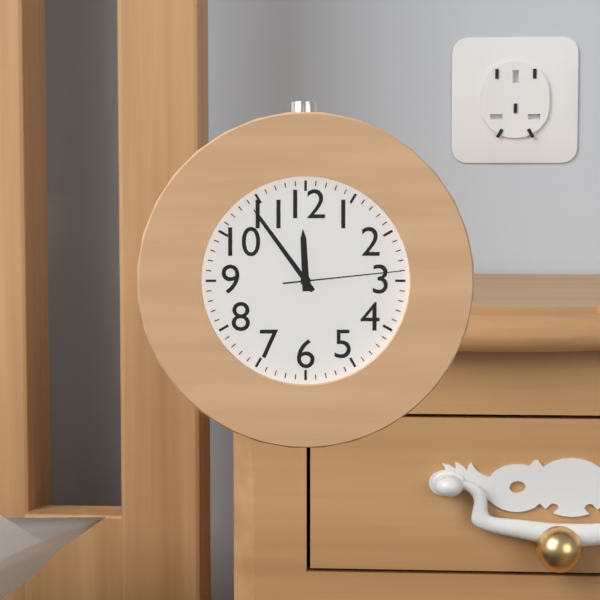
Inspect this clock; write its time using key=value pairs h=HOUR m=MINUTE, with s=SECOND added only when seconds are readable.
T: h=11 m=54 s=14
